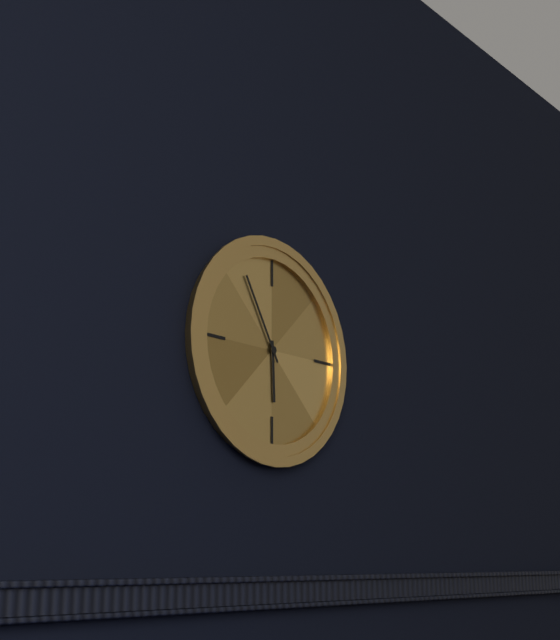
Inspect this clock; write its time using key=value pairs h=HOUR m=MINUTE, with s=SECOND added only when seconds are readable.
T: h=5 m=55
